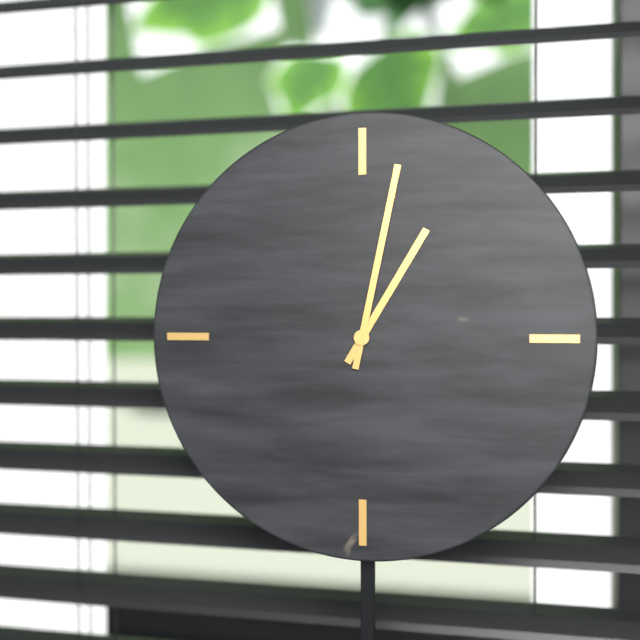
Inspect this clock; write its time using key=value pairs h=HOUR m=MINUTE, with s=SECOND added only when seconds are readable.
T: h=1 m=2
